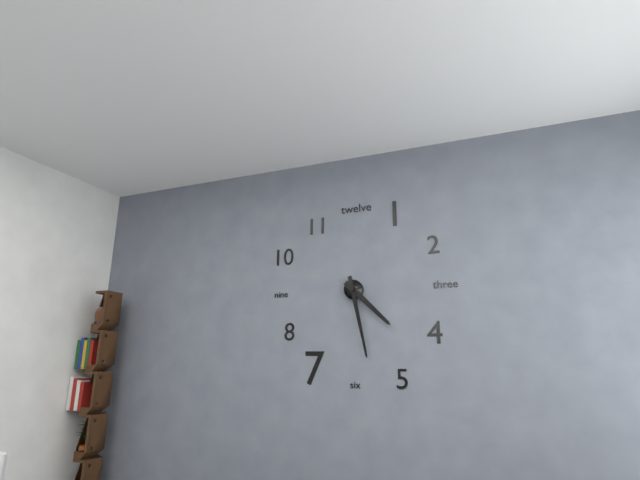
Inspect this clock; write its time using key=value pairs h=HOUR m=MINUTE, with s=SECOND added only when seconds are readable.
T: h=4 m=28
